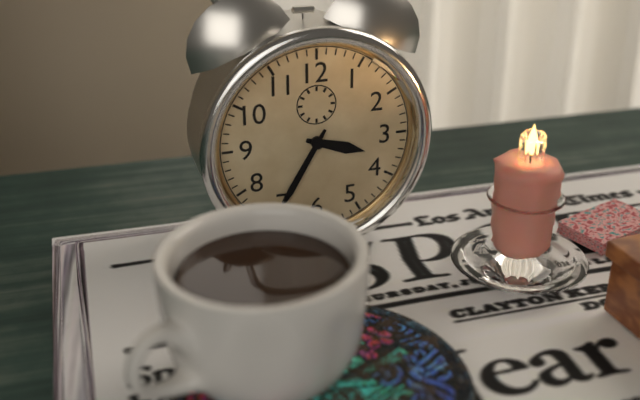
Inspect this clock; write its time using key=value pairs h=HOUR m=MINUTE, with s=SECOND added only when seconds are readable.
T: h=3 m=35
